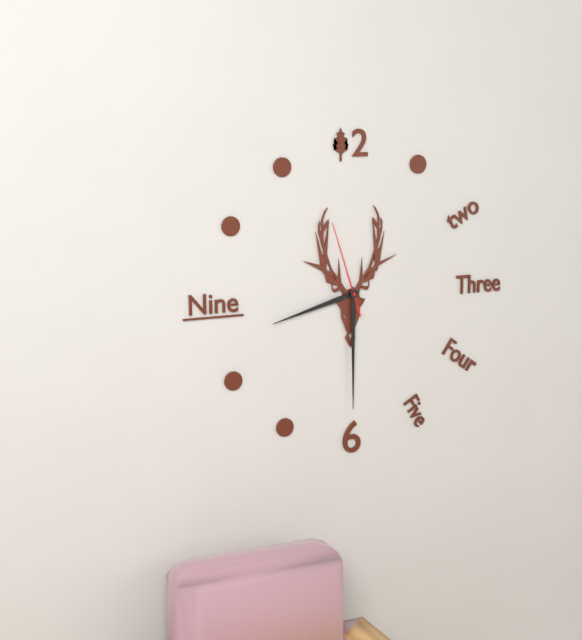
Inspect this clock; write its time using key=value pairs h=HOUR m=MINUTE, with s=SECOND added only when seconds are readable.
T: h=8 m=30 s=57
